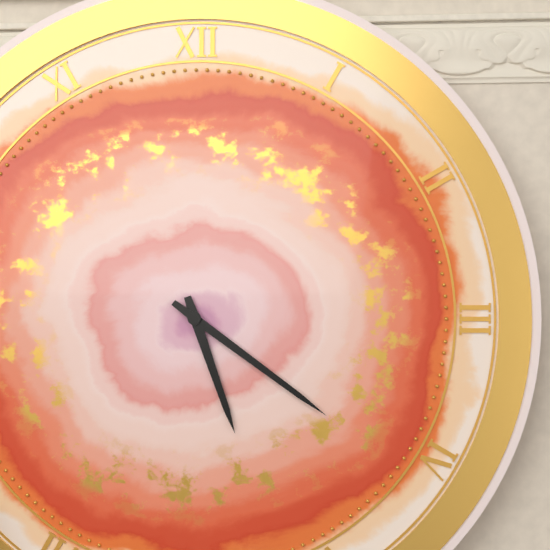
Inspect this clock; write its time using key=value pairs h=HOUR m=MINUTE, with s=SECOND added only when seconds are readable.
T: h=5 m=21
